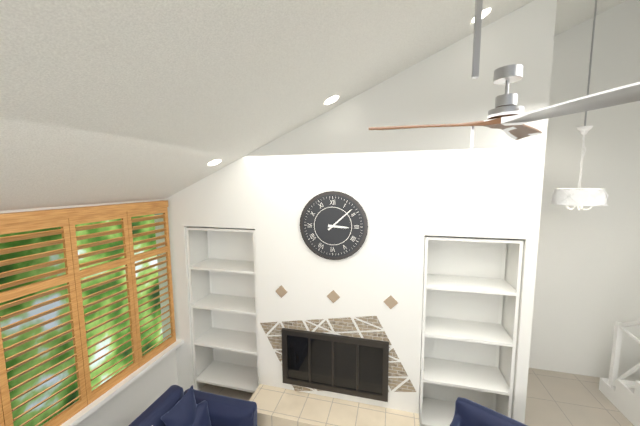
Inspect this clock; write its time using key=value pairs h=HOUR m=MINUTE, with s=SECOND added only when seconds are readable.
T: h=3 m=8
